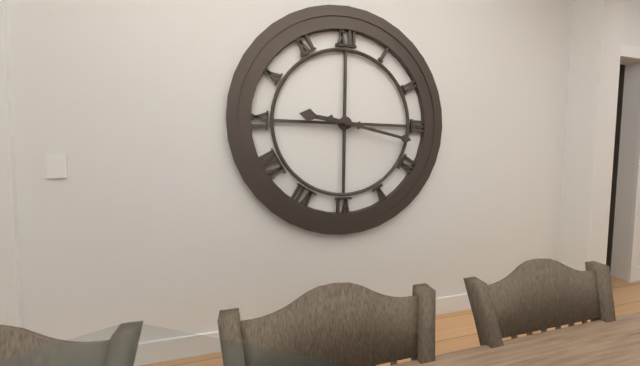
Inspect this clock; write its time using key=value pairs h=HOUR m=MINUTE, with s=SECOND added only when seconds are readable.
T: h=9 m=17
